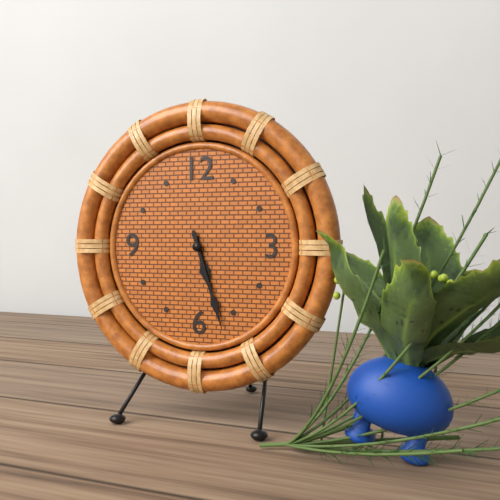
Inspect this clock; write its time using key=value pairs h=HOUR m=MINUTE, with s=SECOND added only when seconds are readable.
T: h=5 m=27
